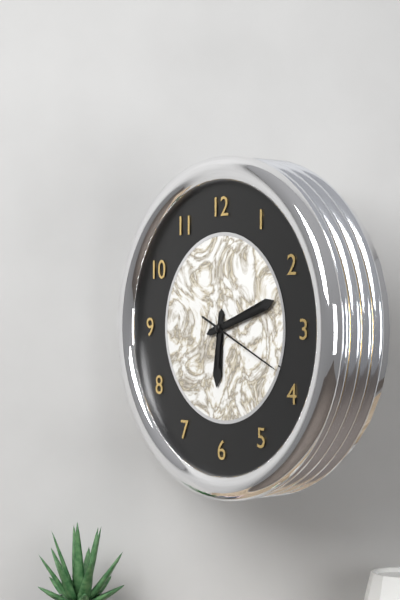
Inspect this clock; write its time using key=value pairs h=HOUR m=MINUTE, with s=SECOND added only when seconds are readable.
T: h=6 m=12 s=19
